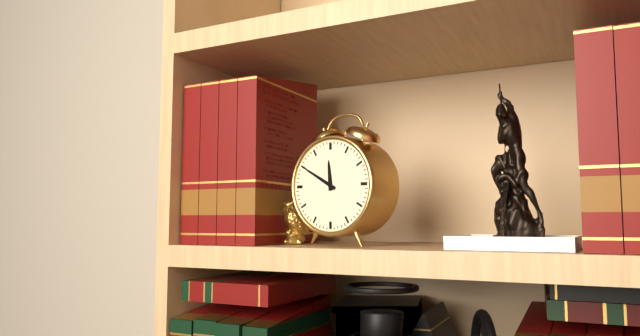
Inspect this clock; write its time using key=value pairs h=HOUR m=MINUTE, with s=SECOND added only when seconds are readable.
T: h=11 m=50
